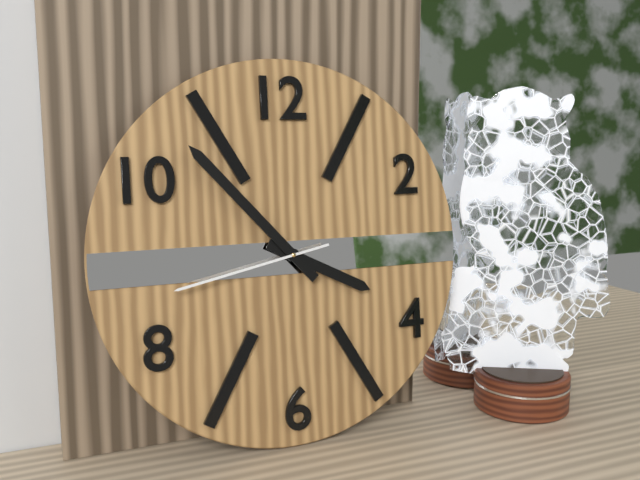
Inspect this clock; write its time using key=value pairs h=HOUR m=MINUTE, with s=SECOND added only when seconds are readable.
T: h=3 m=53 s=43
